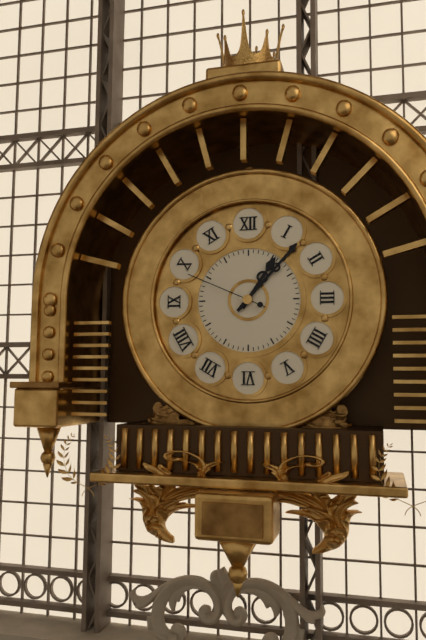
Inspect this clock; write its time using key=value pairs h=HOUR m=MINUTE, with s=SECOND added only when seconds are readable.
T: h=1 m=7 s=49
